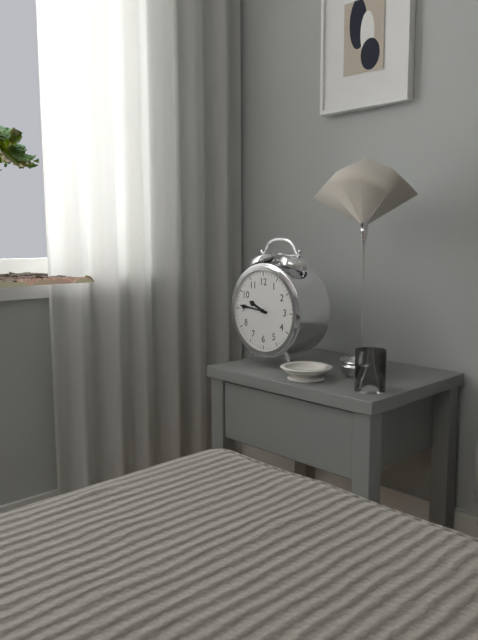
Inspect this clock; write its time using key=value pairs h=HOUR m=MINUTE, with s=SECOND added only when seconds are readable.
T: h=9 m=46
